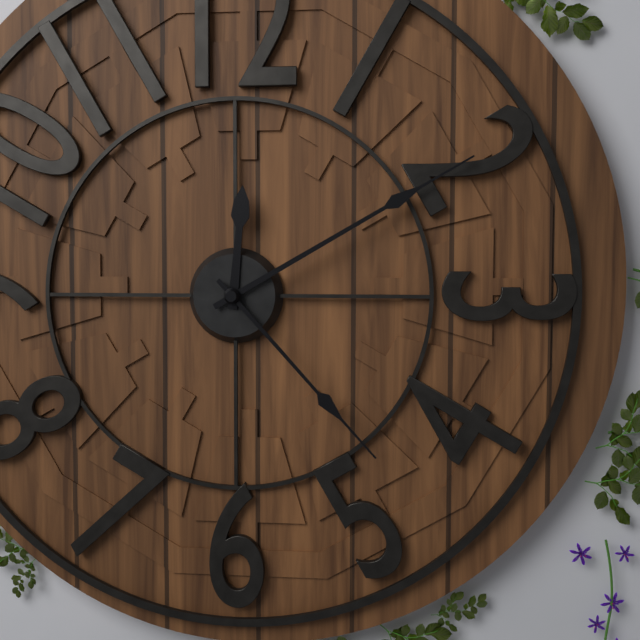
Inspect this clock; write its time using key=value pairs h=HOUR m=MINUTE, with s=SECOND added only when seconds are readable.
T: h=12 m=10 s=23
